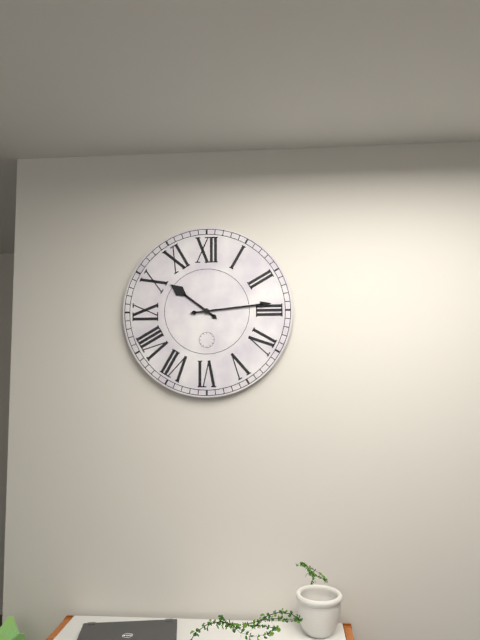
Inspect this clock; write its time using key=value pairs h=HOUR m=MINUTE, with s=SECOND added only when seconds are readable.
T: h=10 m=14
